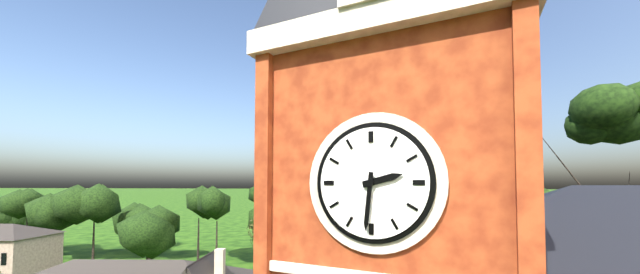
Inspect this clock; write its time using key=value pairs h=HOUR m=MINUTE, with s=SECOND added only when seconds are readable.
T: h=2 m=31
